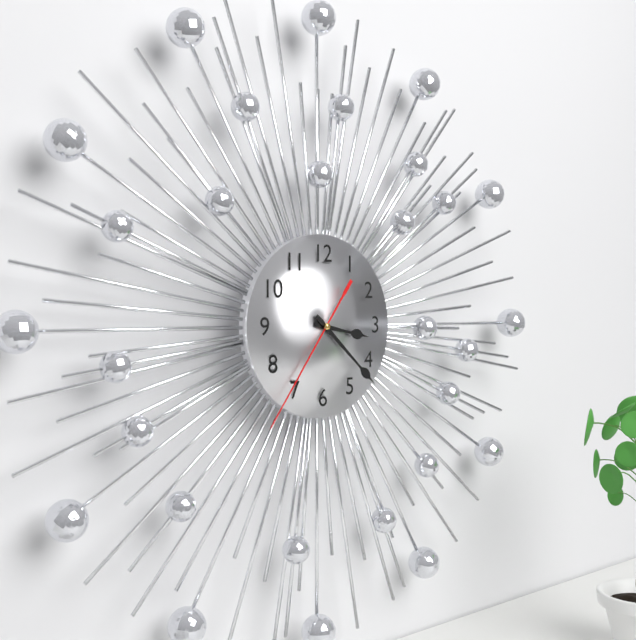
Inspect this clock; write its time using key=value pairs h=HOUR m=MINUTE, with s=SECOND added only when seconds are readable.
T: h=3 m=22 s=36
